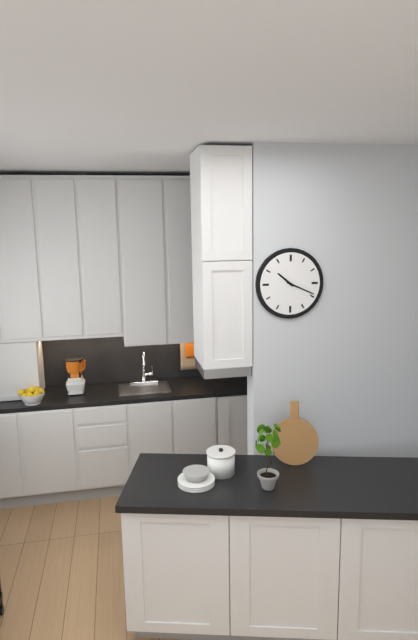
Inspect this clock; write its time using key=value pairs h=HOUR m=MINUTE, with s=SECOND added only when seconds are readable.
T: h=10 m=19
